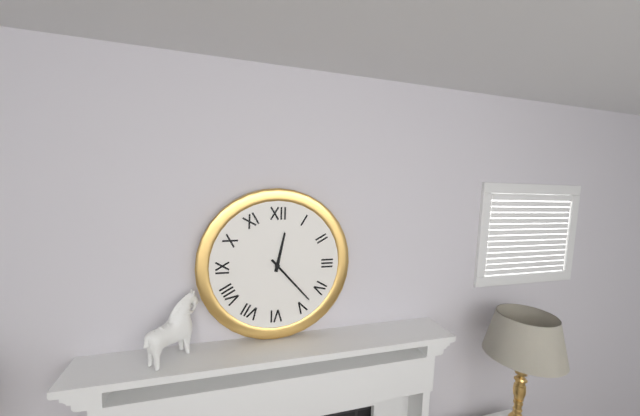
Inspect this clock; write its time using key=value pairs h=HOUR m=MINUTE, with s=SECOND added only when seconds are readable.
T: h=12 m=23
